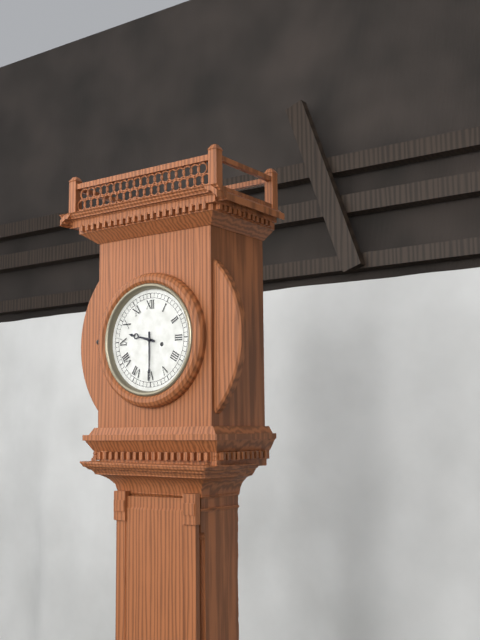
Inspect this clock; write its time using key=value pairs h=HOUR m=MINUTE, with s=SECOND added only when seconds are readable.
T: h=9 m=30
